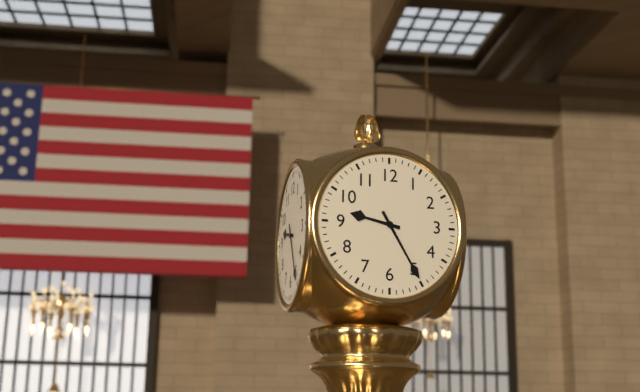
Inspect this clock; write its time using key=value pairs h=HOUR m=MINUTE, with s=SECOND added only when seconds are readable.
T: h=9 m=25
